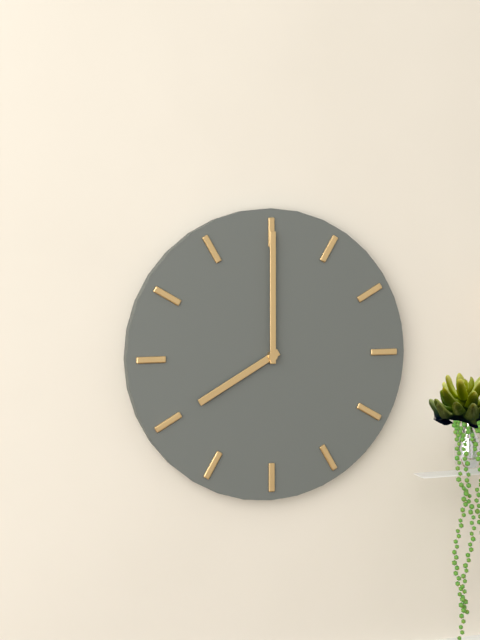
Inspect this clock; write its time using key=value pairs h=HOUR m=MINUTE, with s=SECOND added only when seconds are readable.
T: h=8 m=0
